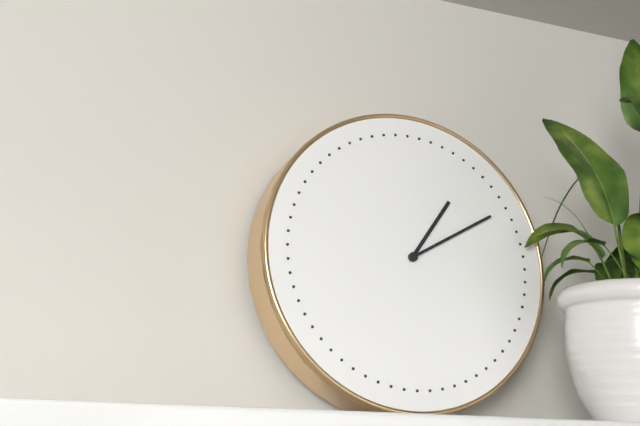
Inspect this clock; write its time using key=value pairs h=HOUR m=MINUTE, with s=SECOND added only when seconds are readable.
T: h=1 m=10
